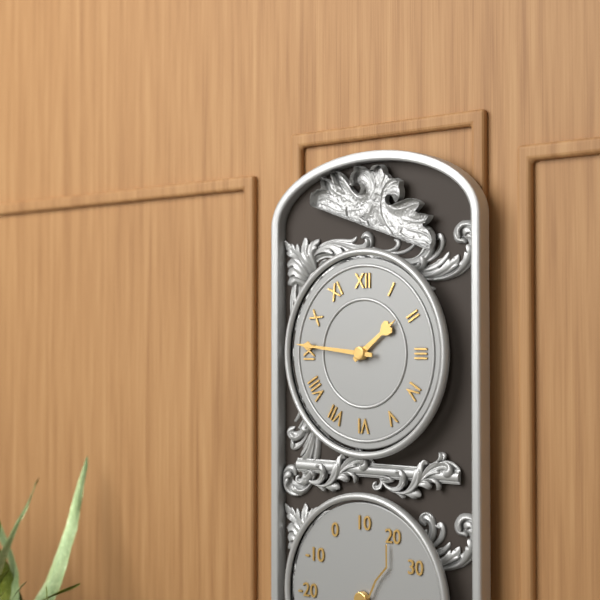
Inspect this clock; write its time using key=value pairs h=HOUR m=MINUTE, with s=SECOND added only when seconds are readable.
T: h=1 m=46
